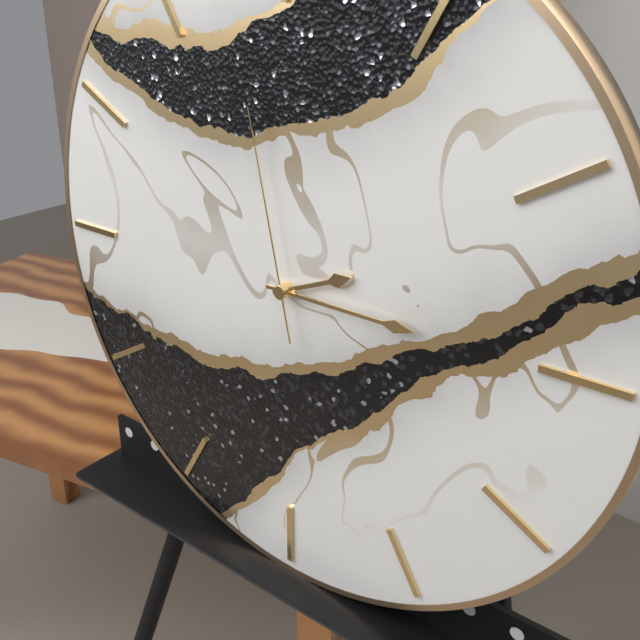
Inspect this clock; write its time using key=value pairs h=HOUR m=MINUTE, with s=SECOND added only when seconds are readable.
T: h=2 m=15 s=58
